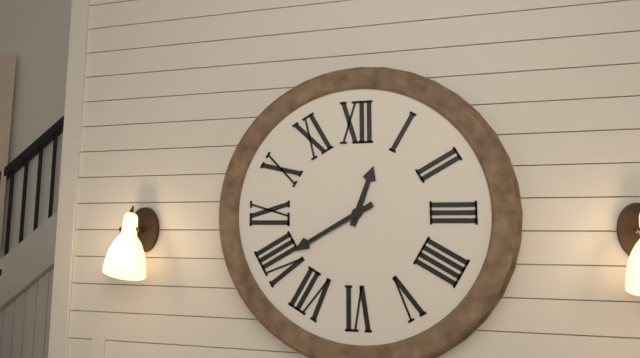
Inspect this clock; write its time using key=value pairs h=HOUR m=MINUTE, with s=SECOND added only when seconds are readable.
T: h=12 m=40
